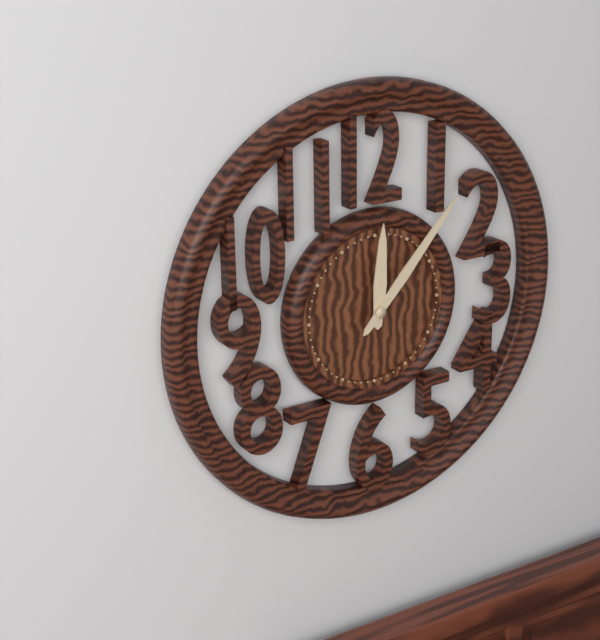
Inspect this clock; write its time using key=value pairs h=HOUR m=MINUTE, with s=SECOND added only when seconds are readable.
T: h=12 m=7
